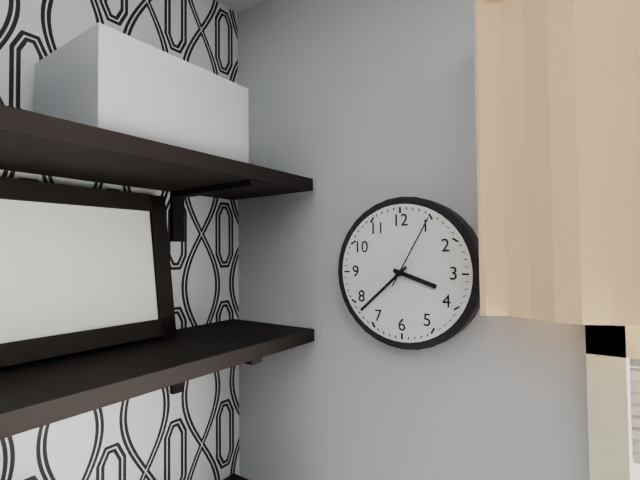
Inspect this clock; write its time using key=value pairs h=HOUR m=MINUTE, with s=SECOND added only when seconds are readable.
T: h=3 m=38 s=5
